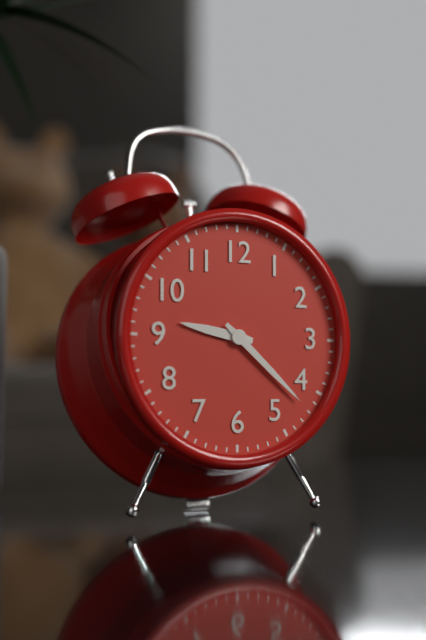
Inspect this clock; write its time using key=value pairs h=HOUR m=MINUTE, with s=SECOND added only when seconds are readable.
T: h=9 m=22
